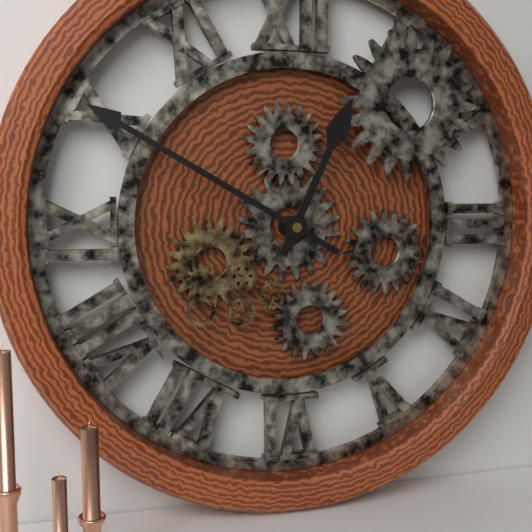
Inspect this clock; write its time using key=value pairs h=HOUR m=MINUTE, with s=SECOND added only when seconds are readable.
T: h=12 m=50
